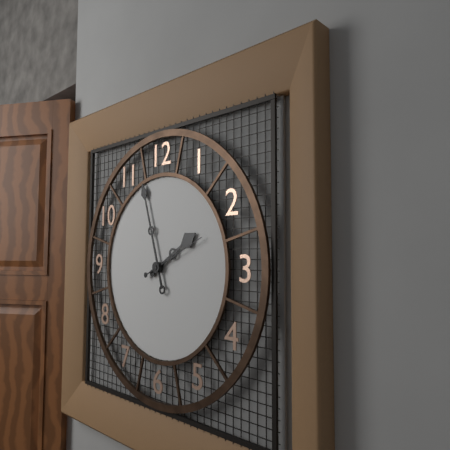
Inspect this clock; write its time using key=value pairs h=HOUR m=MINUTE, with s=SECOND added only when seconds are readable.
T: h=1 m=57 s=11
